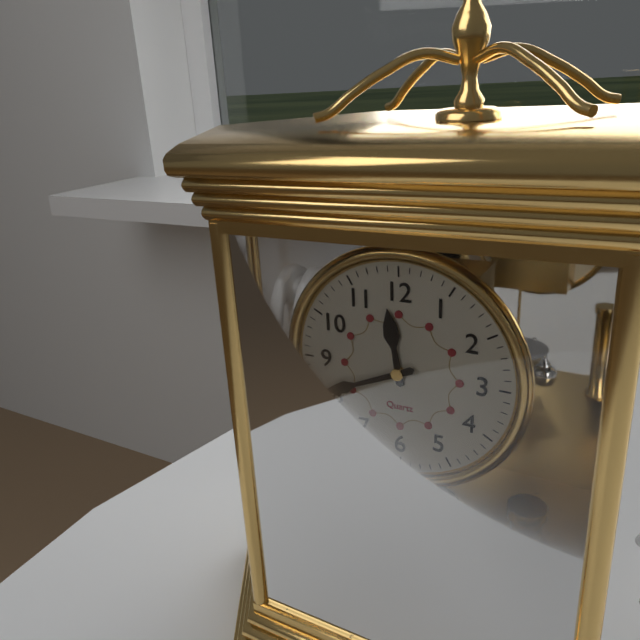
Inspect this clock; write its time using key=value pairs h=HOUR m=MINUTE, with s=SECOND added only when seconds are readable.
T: h=11 m=41
